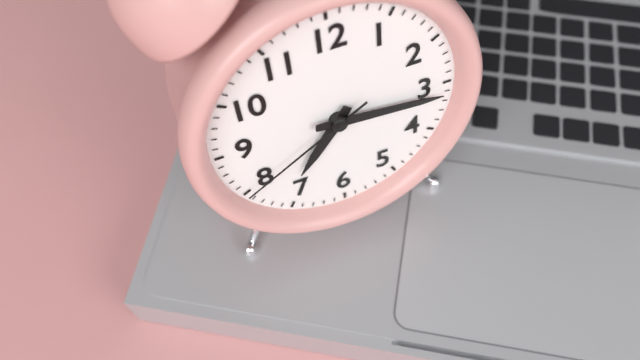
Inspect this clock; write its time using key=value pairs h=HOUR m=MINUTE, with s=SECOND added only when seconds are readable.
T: h=7 m=16 s=40
